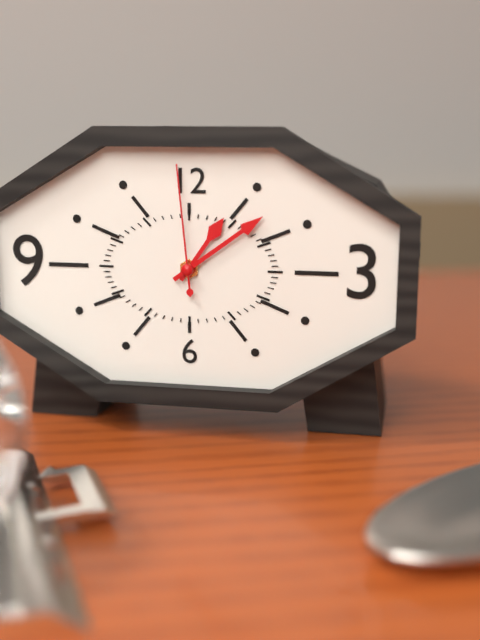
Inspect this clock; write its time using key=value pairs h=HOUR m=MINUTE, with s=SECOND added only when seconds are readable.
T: h=1 m=9 s=59
